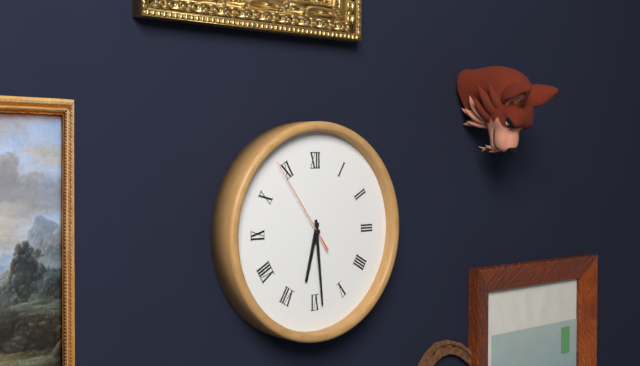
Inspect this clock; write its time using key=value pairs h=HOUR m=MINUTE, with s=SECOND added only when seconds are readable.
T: h=6 m=29 s=54
